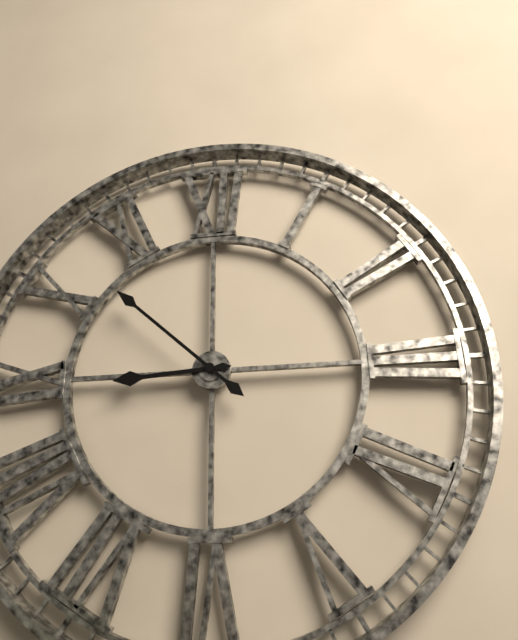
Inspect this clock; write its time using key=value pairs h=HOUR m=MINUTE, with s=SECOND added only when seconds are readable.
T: h=8 m=52
